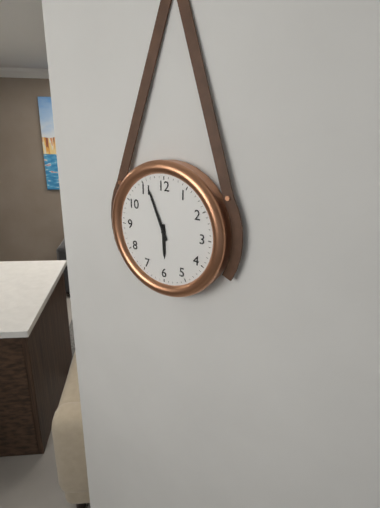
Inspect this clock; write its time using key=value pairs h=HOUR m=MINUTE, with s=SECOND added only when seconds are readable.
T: h=5 m=56
